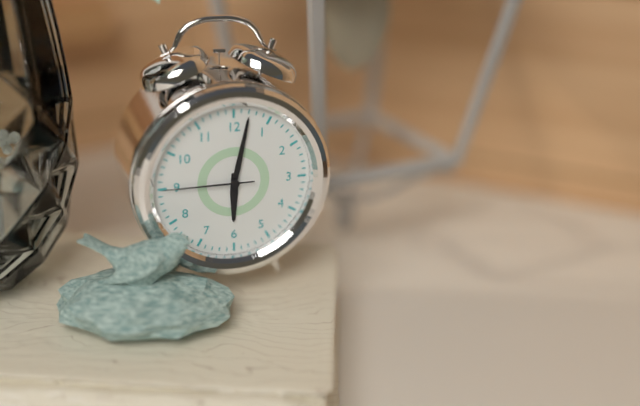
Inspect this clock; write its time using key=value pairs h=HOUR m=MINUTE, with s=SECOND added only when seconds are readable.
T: h=6 m=2 s=45
